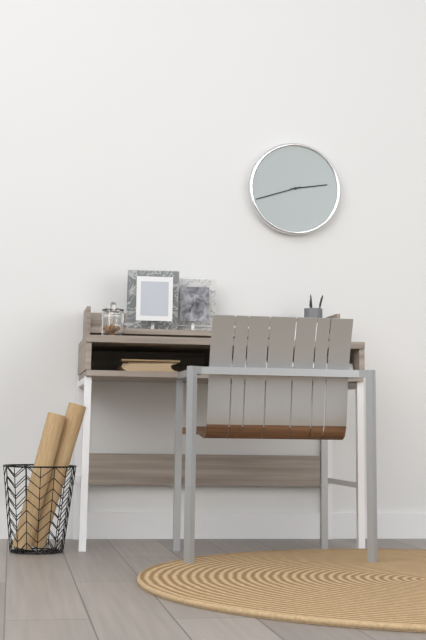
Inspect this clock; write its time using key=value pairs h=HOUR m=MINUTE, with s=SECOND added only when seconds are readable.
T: h=2 m=42
